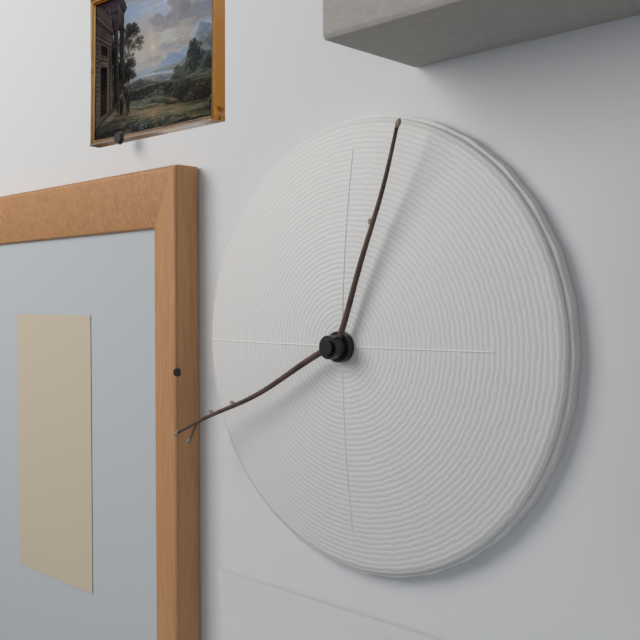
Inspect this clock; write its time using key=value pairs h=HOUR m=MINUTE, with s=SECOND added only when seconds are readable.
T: h=12 m=41
